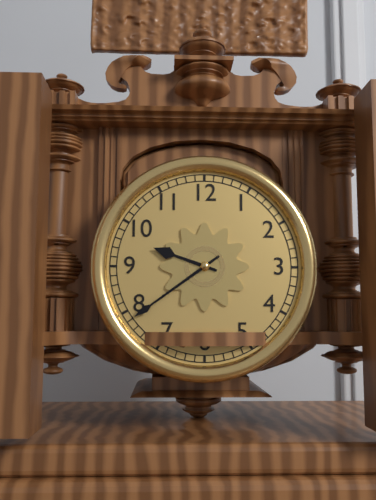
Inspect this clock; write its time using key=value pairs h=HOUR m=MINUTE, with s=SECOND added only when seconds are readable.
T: h=9 m=39
